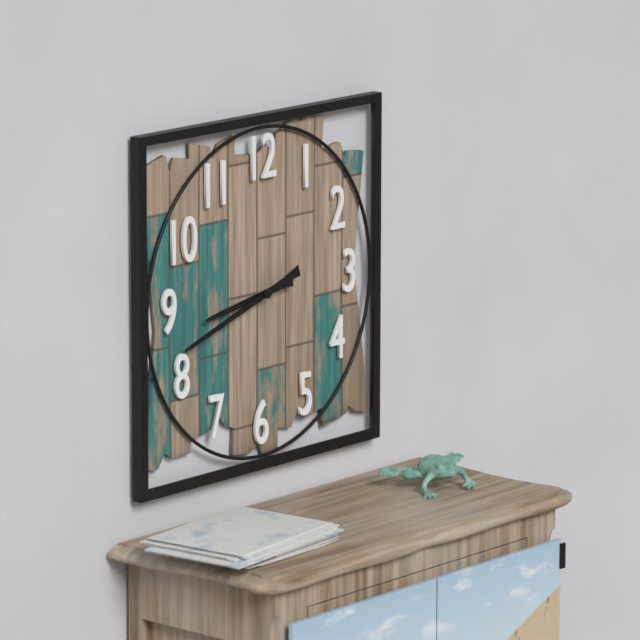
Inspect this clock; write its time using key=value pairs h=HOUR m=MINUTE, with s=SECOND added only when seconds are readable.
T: h=8 m=42
